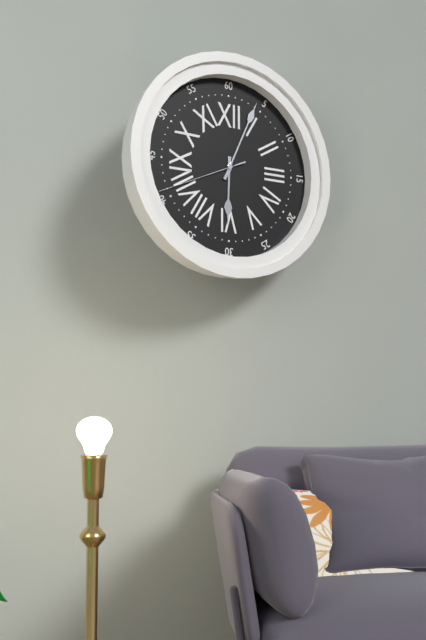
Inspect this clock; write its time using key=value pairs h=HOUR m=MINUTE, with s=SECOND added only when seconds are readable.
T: h=6 m=4 s=41
